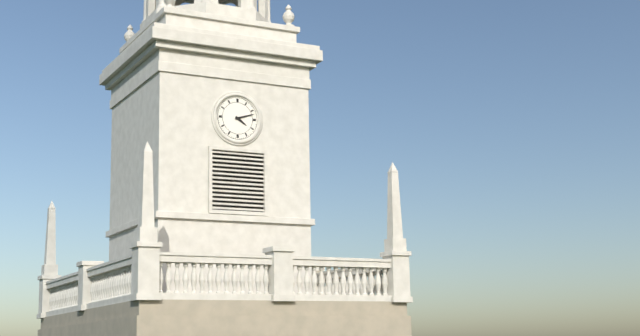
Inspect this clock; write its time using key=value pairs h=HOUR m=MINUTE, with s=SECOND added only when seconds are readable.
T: h=4 m=12
